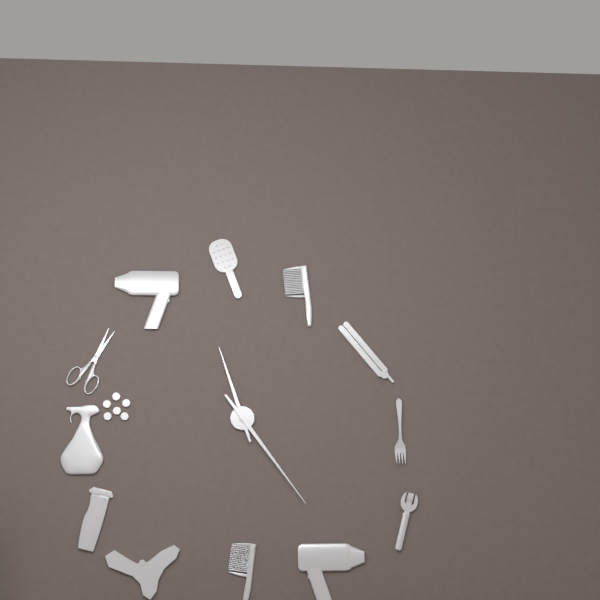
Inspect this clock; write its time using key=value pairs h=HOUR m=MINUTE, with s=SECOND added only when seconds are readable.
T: h=11 m=24
